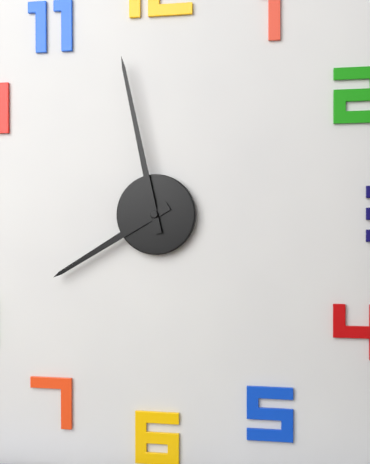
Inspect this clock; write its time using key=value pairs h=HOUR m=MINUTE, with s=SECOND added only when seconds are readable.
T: h=7 m=58
